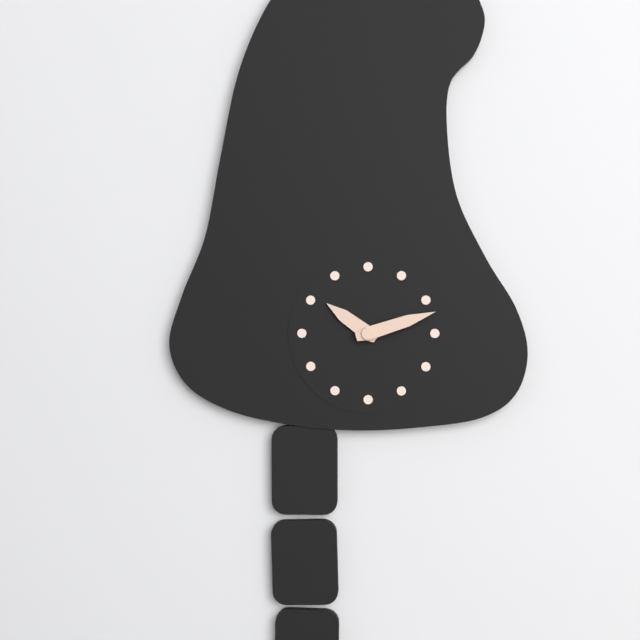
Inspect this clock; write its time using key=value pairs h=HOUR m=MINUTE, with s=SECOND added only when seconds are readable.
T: h=10 m=12
